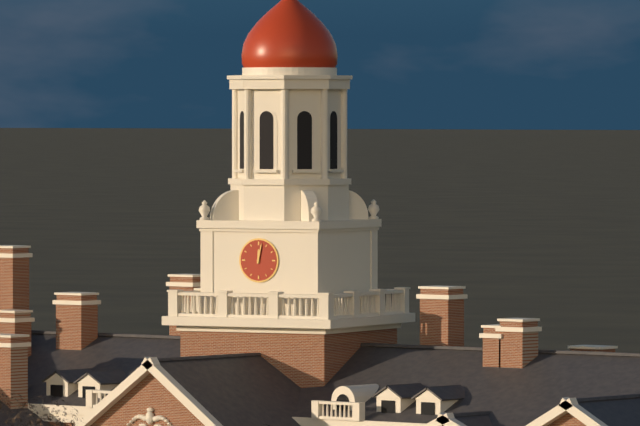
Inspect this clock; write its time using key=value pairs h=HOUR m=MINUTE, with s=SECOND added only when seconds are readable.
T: h=12 m=2
